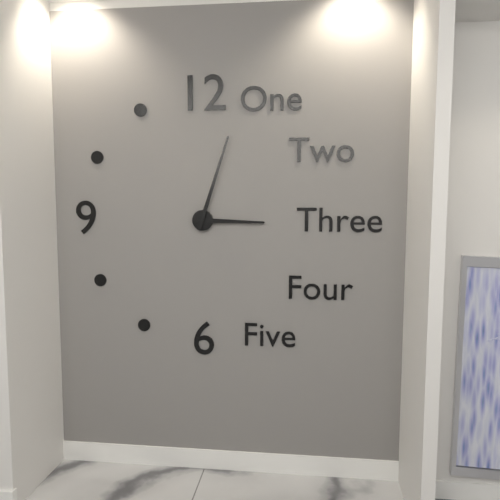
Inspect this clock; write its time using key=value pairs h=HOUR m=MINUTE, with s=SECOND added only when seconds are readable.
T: h=3 m=3
